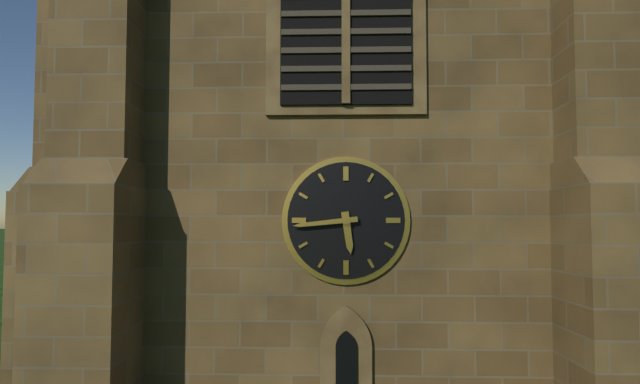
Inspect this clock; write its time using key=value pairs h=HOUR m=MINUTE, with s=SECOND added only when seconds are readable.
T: h=5 m=44
